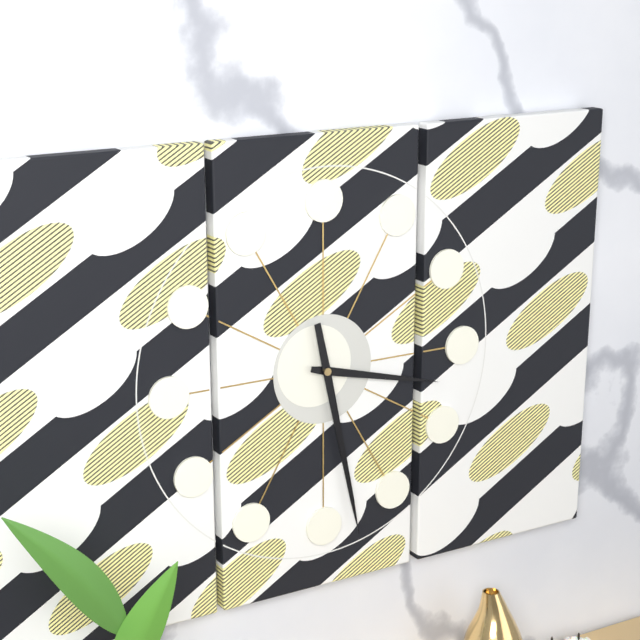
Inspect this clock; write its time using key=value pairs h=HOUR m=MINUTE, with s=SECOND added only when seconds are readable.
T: h=3 m=28
